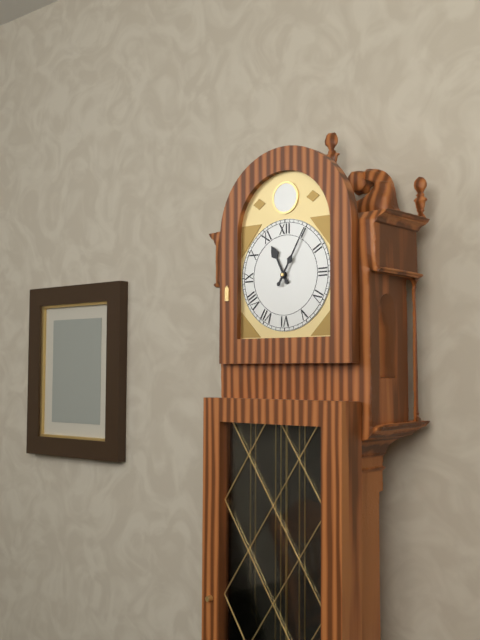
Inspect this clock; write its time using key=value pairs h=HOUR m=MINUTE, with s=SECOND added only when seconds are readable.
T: h=11 m=5
